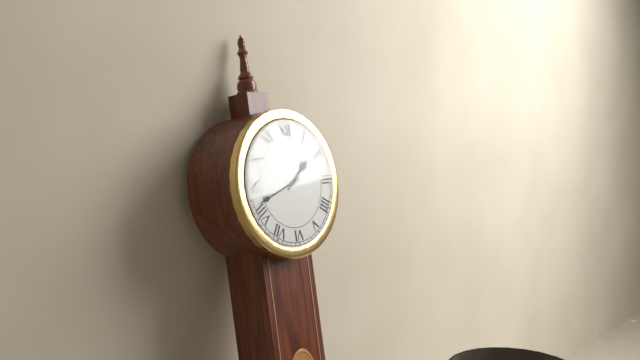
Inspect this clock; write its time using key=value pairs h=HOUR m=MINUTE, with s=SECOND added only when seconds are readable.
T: h=1 m=42
